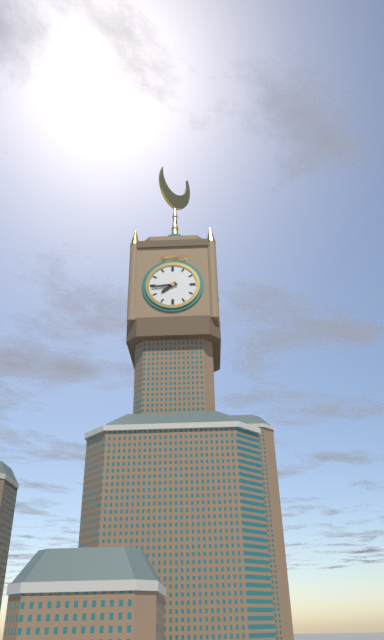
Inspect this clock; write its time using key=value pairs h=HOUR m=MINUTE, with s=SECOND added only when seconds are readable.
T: h=7 m=44
